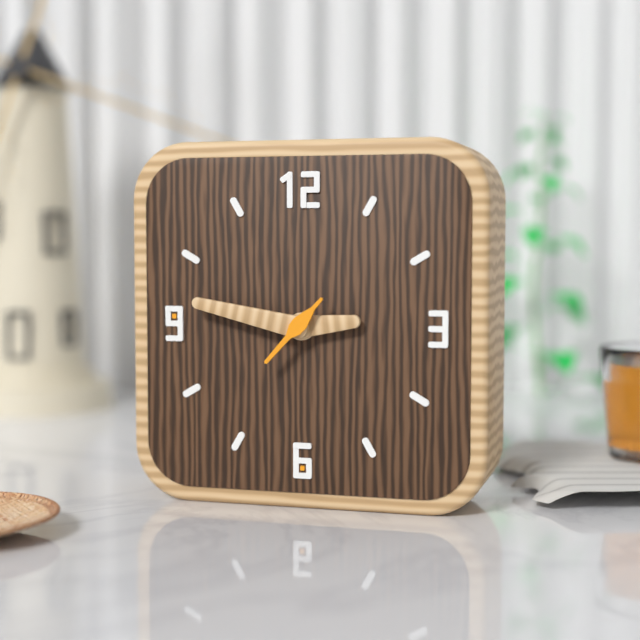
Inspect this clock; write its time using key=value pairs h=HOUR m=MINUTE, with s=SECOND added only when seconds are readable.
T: h=2 m=47 s=37
